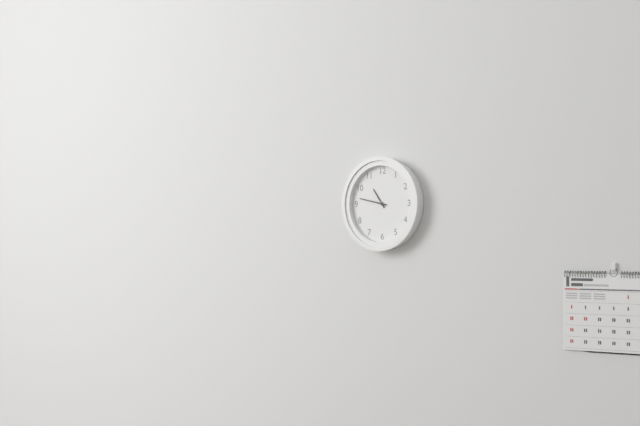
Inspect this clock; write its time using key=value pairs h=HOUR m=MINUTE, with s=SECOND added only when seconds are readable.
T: h=10 m=47
